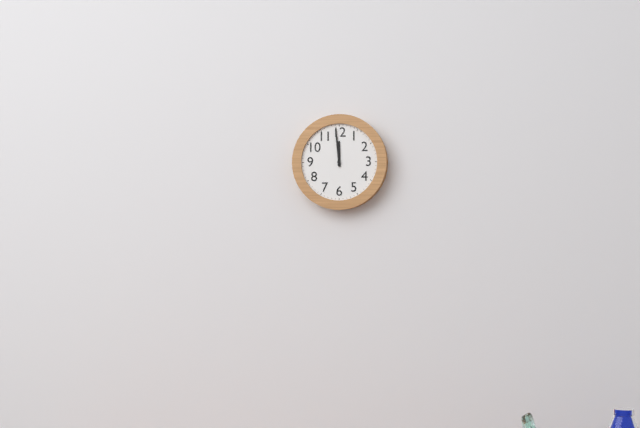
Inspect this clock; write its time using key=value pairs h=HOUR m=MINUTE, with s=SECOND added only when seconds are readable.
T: h=11 m=59
